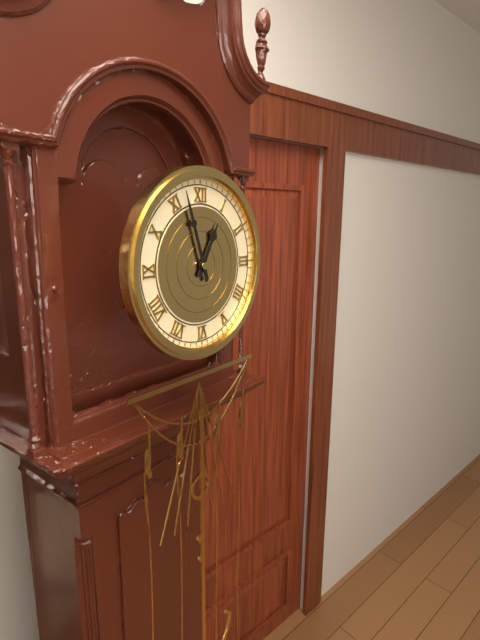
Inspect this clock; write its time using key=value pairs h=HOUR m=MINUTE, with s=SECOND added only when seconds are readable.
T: h=12 m=57
